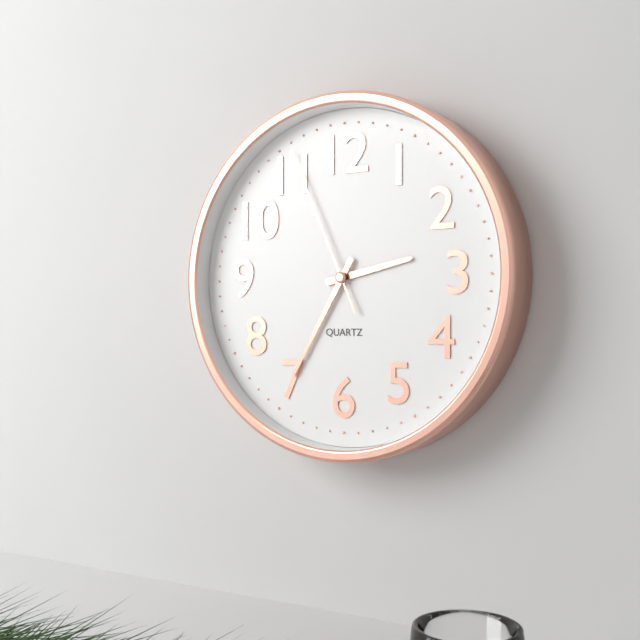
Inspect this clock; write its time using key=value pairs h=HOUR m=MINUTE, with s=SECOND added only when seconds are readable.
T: h=2 m=35 s=56
